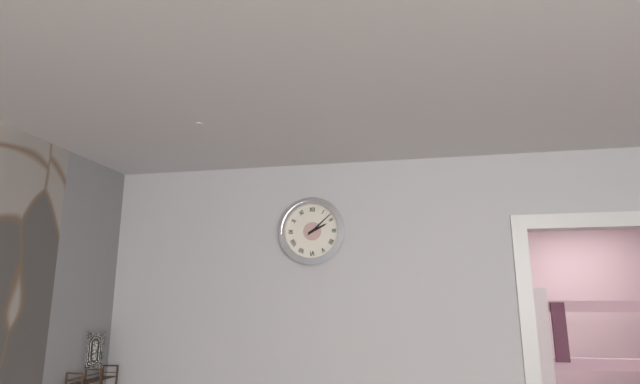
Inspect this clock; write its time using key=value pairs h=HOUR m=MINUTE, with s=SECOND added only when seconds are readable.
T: h=2 m=8
